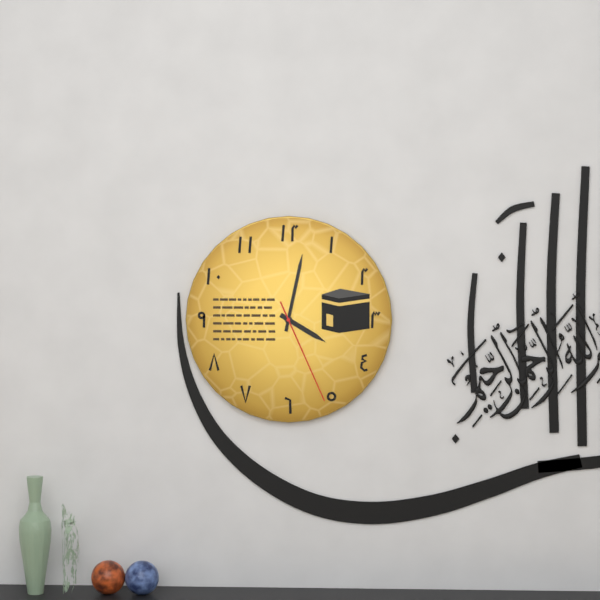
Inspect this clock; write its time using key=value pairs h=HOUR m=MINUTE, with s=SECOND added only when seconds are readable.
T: h=4 m=2 s=26
